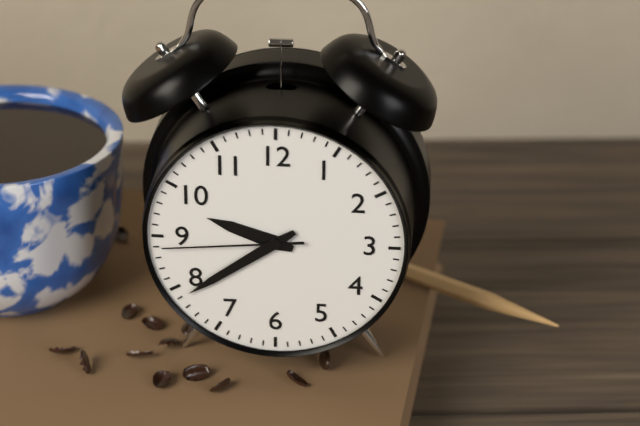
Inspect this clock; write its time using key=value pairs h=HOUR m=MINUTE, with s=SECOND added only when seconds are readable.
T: h=9 m=39 s=44
